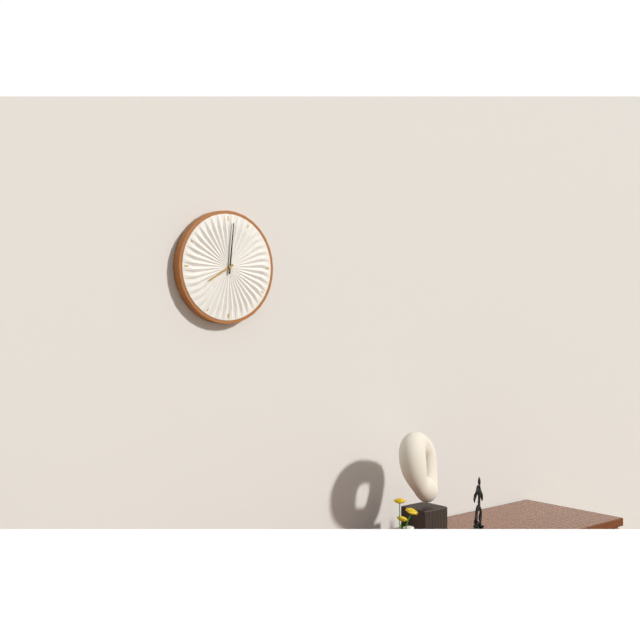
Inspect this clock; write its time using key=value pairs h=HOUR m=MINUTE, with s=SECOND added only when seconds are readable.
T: h=8 m=1
